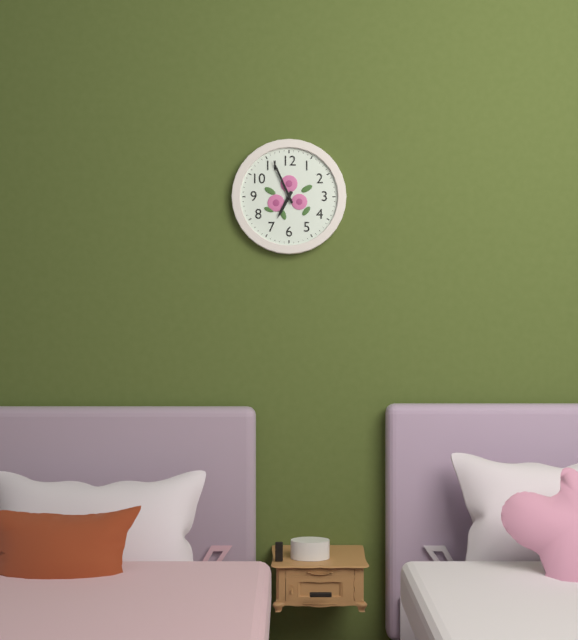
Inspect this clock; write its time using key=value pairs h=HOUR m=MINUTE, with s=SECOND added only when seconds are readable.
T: h=6 m=56
